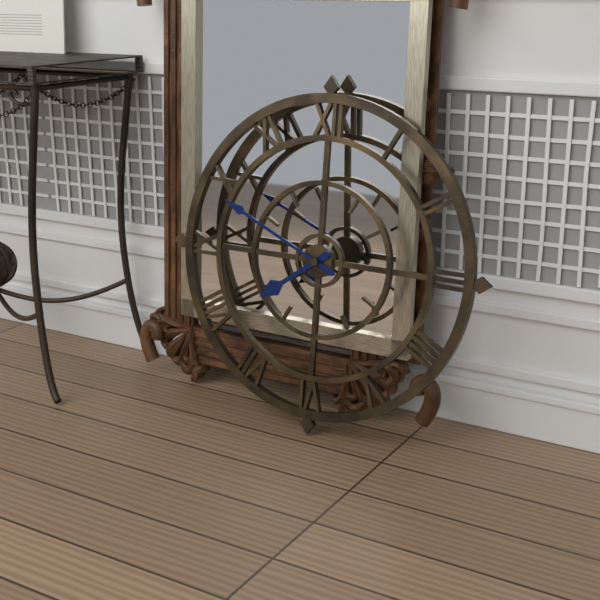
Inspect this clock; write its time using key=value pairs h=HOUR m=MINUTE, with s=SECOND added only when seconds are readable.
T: h=7 m=49
